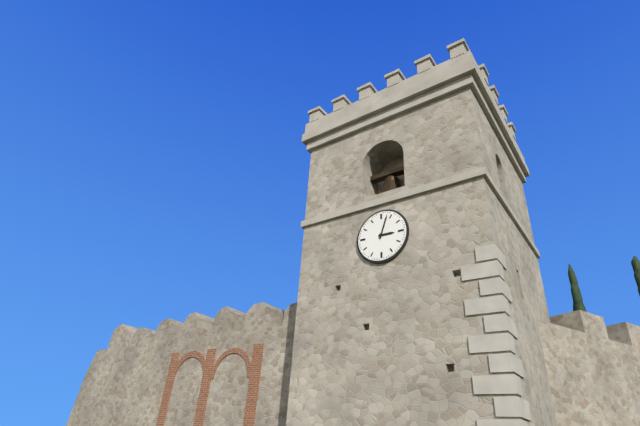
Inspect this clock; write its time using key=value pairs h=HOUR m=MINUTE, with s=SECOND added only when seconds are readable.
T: h=3 m=3
